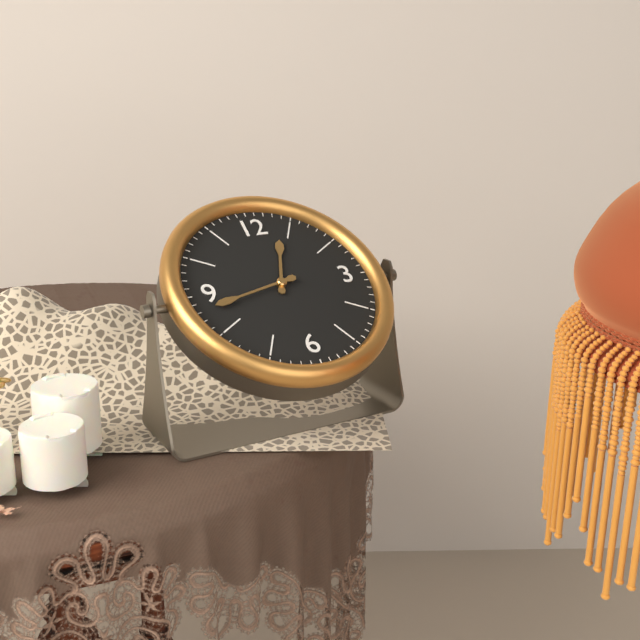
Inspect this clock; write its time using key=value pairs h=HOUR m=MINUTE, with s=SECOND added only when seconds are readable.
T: h=12 m=43
